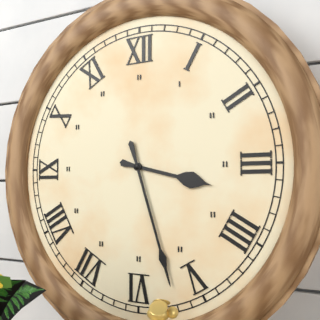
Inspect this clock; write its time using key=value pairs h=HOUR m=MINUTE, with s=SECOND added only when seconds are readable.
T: h=3 m=27
